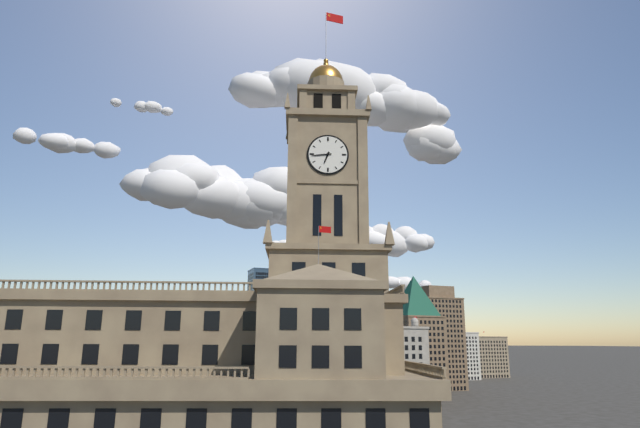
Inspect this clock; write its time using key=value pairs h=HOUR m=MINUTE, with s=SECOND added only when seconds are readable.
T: h=6 m=44
